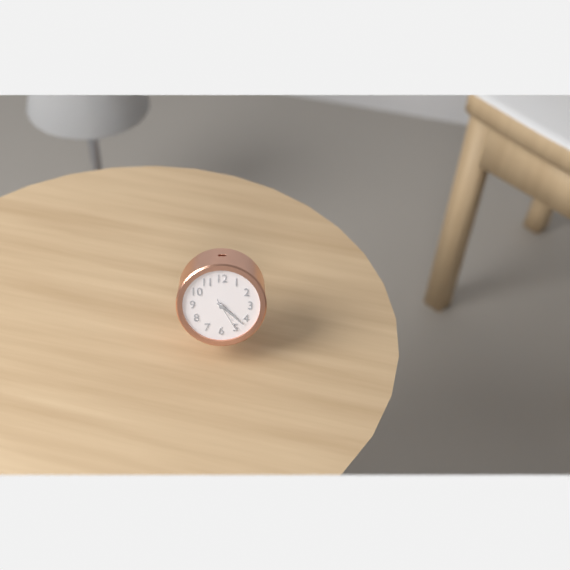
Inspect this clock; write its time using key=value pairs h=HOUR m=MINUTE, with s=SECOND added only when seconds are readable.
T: h=4 m=22
